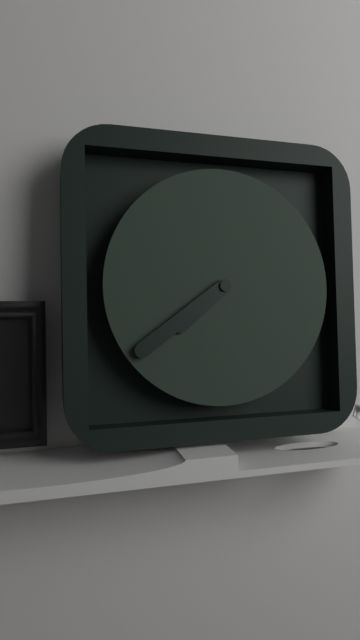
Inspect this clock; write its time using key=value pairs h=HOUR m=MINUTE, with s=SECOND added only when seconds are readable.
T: h=7 m=39
